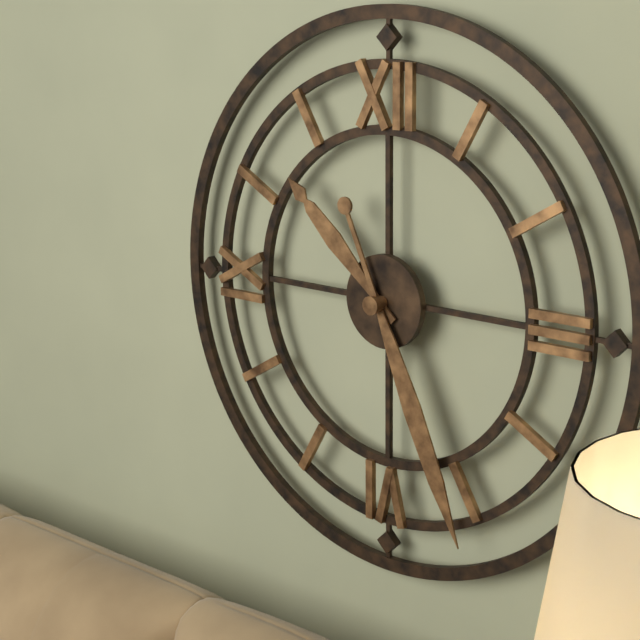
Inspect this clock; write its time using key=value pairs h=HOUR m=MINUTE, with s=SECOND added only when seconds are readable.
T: h=10 m=26
